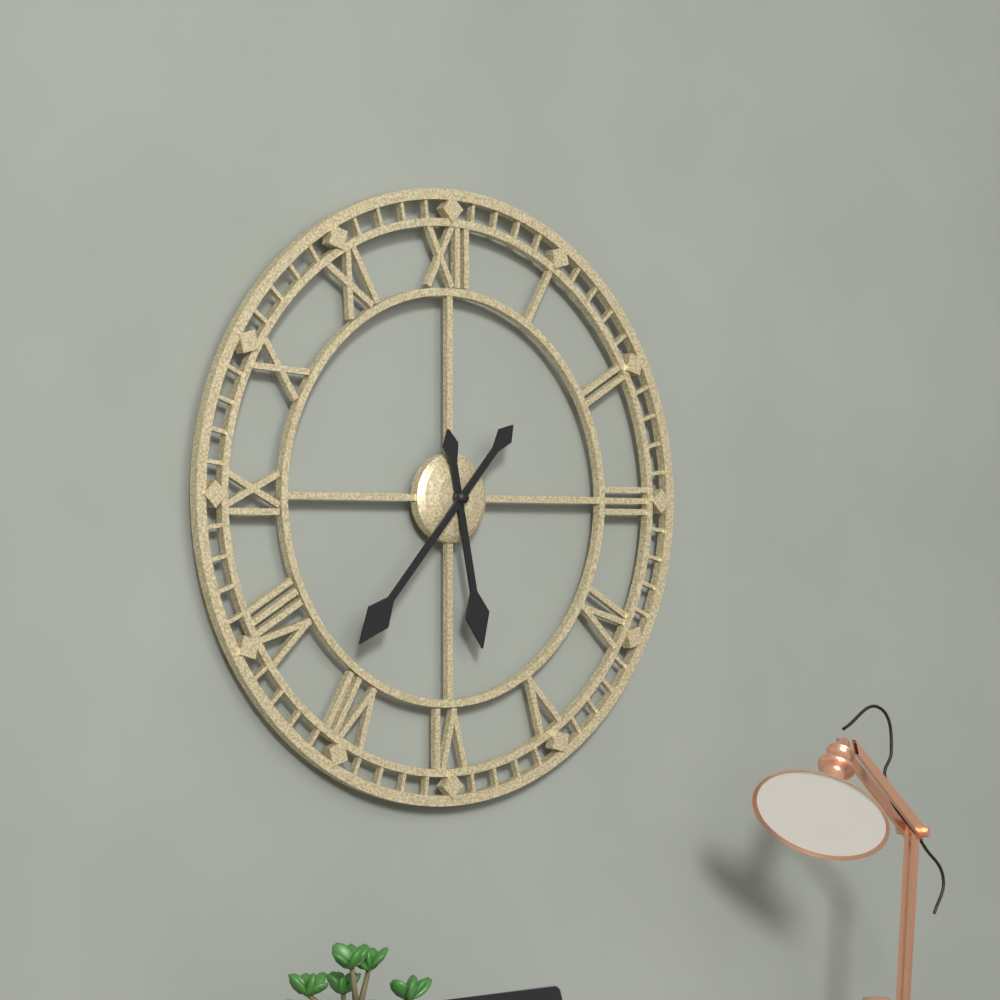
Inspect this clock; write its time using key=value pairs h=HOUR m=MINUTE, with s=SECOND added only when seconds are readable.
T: h=5 m=37
